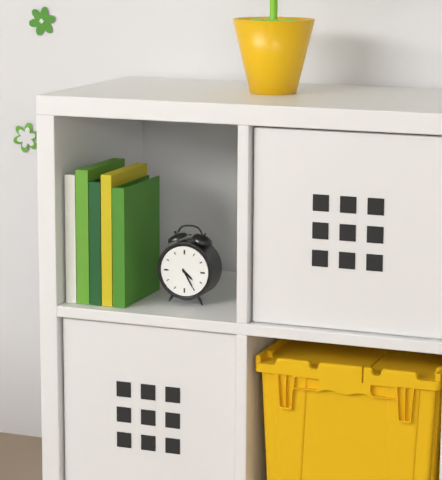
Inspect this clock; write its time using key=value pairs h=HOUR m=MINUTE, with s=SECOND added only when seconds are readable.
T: h=4 m=25
